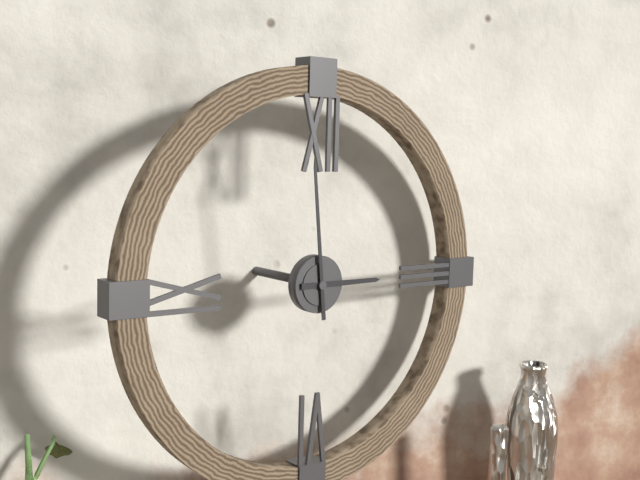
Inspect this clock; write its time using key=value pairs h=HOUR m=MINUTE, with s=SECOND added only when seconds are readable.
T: h=2 m=59
